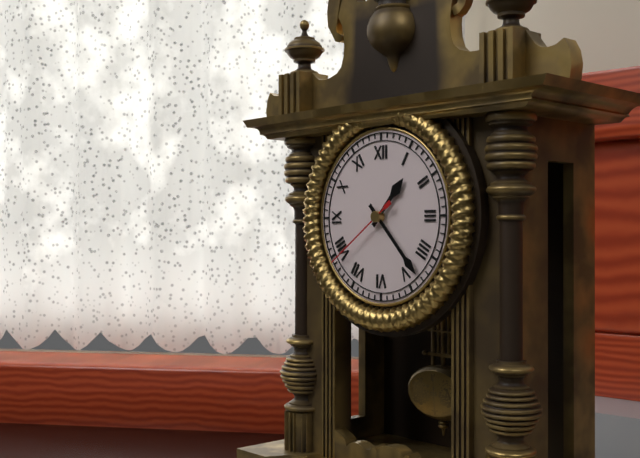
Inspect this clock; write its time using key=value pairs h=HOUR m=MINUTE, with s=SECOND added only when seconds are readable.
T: h=1 m=23 s=39
